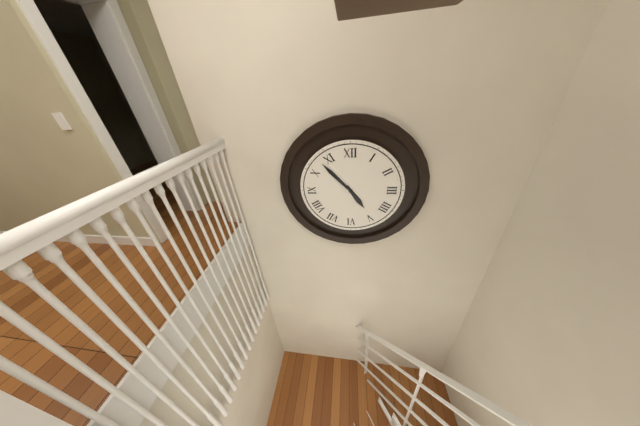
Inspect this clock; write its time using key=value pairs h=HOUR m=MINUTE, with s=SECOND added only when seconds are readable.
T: h=4 m=53
